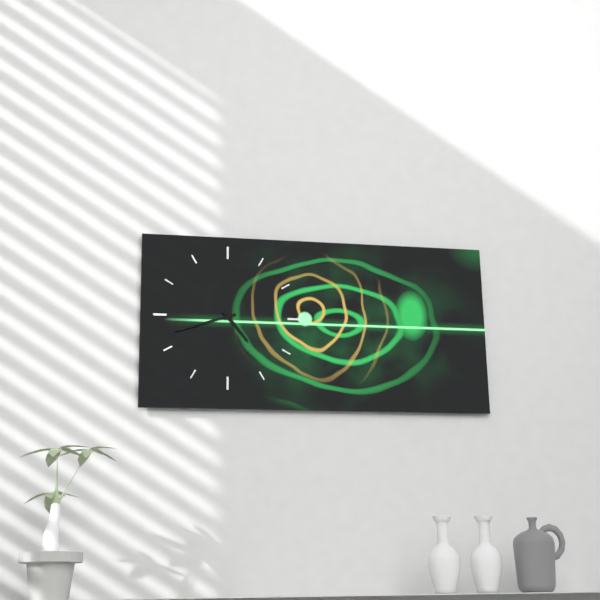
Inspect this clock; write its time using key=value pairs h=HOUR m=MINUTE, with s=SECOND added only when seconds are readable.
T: h=4 m=42
